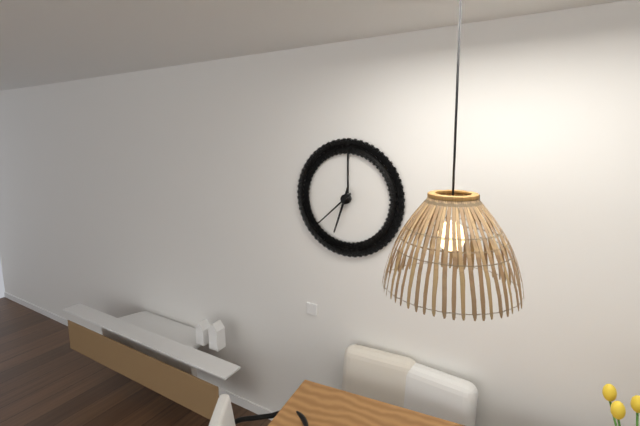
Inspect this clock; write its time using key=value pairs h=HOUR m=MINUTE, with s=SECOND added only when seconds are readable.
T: h=6 m=38
